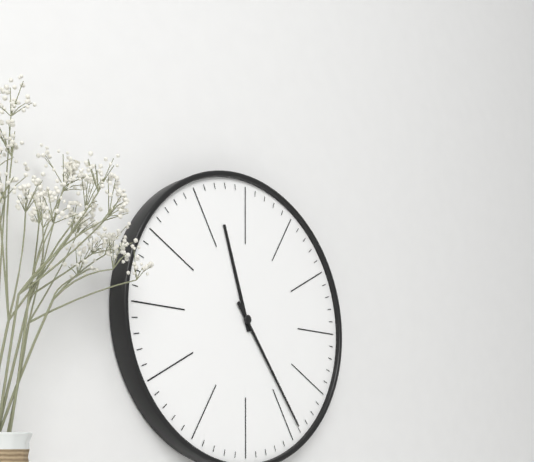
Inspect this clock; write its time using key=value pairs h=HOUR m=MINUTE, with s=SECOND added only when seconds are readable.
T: h=11 m=24
